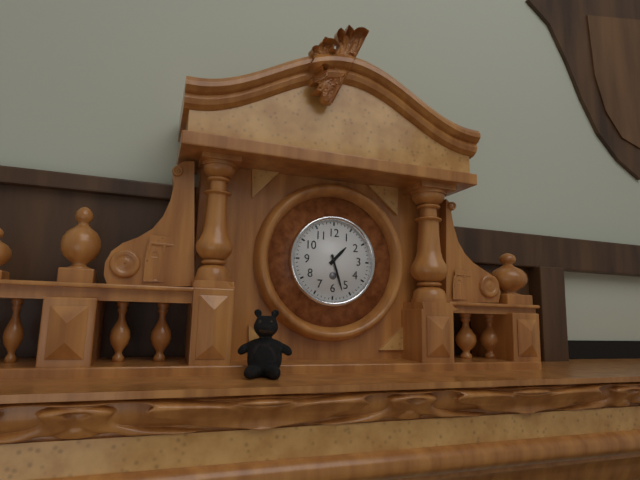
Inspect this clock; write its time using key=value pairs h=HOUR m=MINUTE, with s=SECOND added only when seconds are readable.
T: h=1 m=27
